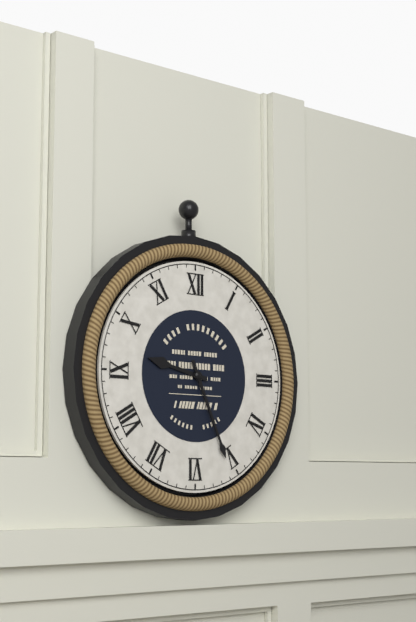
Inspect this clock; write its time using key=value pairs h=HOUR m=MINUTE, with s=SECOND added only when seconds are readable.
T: h=9 m=26
